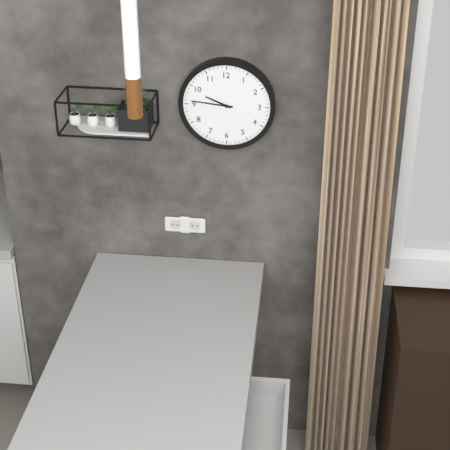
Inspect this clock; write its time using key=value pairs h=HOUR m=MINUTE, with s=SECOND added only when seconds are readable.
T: h=9 m=46
